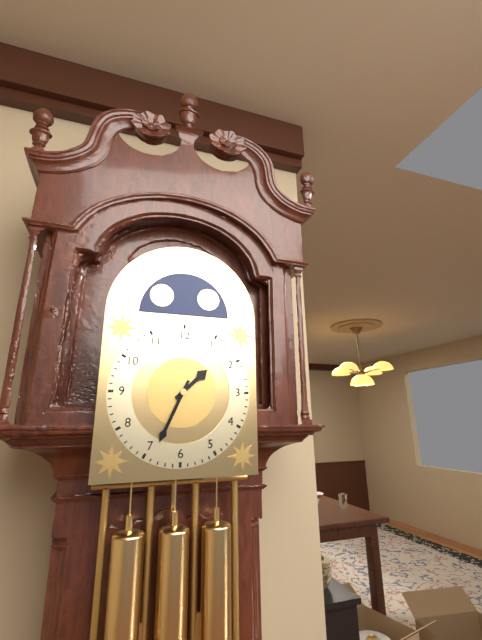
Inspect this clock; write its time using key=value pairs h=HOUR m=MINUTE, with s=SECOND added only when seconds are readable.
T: h=1 m=34
